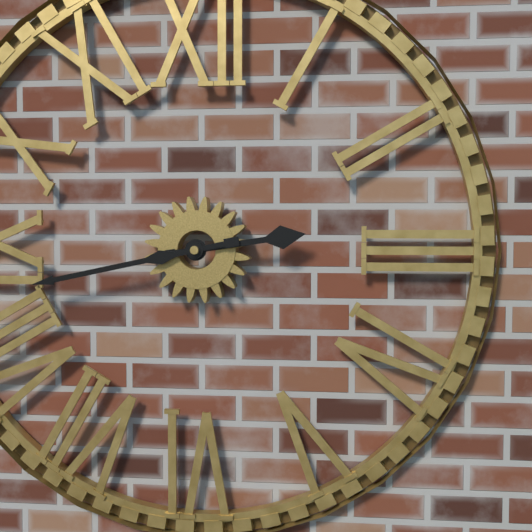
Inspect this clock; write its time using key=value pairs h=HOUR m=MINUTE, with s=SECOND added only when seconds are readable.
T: h=2 m=43
